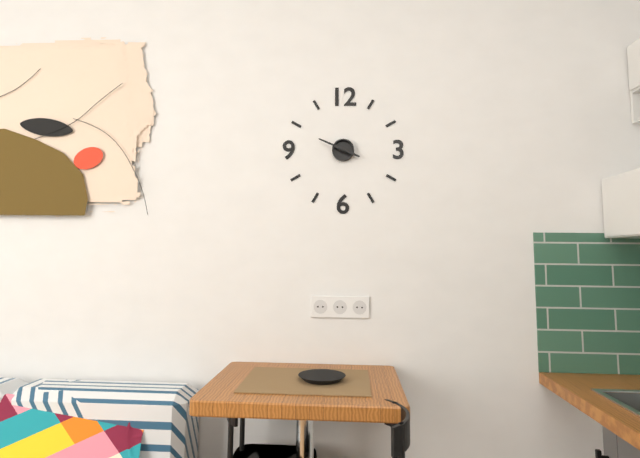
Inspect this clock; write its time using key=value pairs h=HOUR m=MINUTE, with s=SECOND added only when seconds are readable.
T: h=3 m=49
